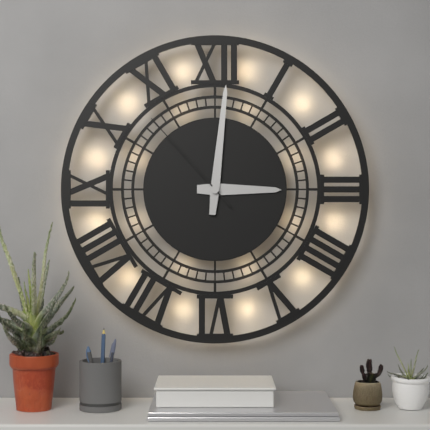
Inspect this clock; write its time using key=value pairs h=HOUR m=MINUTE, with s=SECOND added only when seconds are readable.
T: h=3 m=1 s=53
